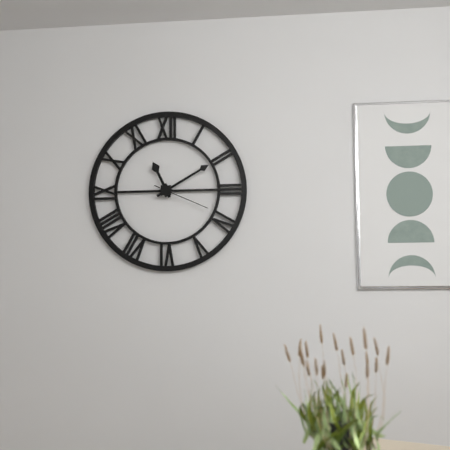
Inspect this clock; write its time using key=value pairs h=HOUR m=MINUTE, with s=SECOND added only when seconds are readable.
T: h=11 m=10 s=19
